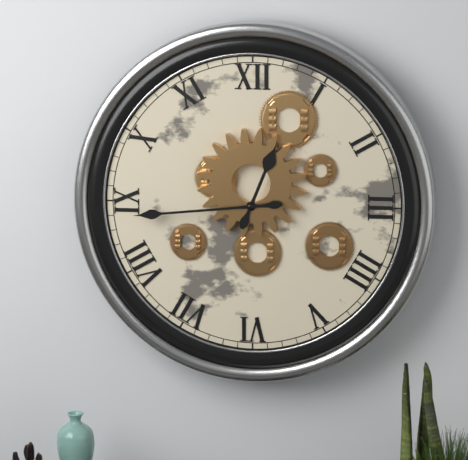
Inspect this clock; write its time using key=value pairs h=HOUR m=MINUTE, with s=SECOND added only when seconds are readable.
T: h=12 m=44
